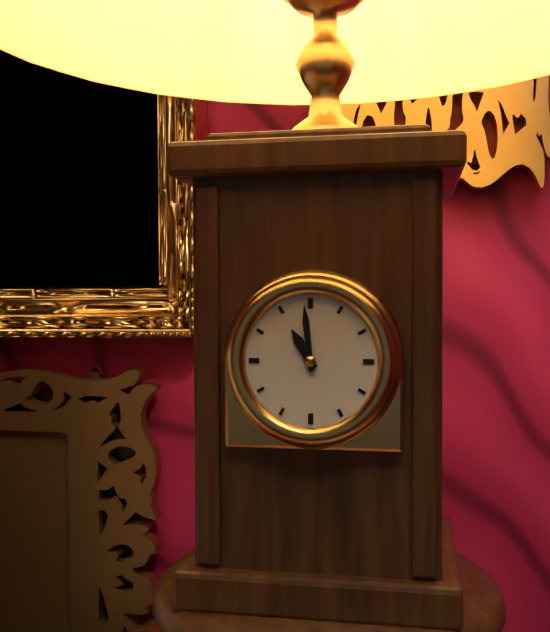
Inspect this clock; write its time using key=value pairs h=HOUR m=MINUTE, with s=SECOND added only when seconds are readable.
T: h=10 m=59
